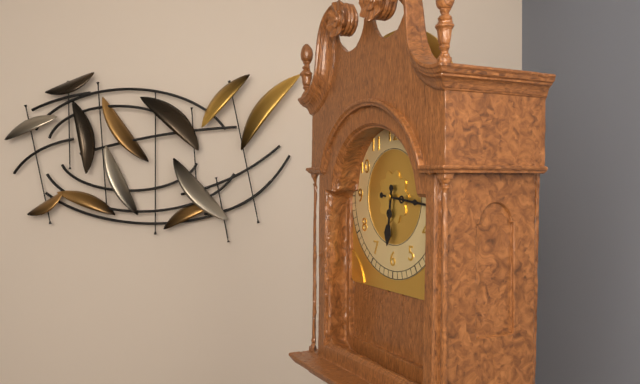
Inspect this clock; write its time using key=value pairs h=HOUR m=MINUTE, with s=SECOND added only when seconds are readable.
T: h=6 m=16
